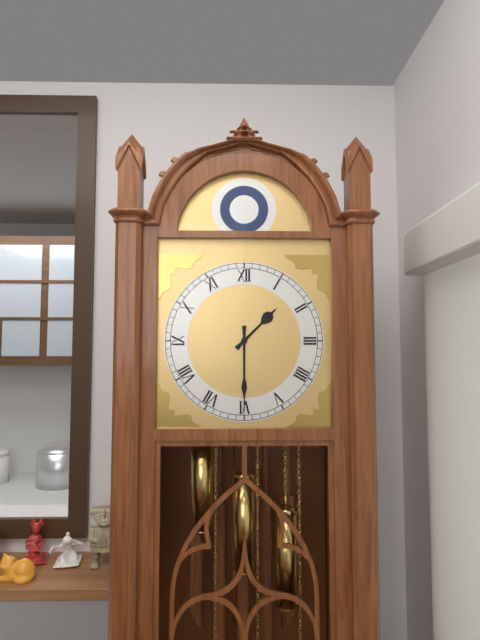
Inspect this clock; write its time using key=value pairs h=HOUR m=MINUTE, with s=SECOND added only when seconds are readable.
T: h=1 m=30
